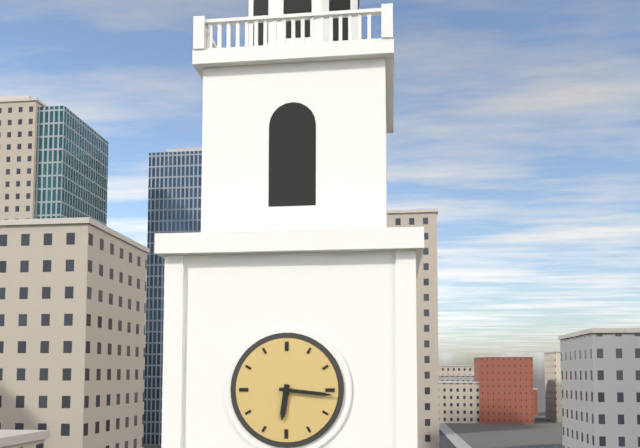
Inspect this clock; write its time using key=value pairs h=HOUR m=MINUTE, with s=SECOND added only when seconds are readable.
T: h=6 m=16
